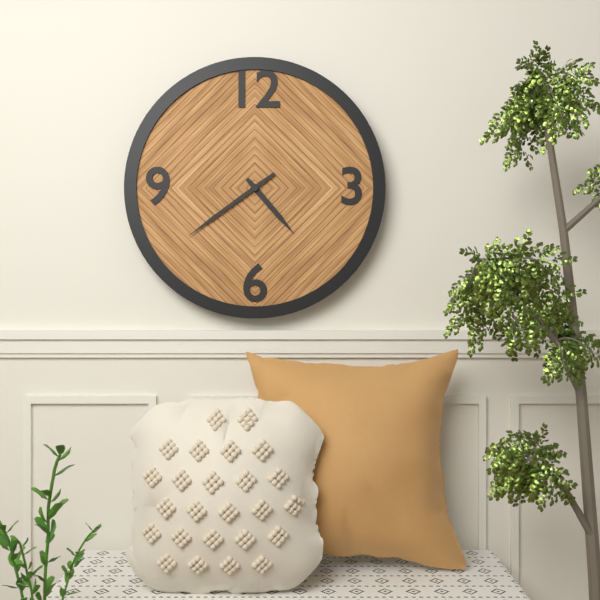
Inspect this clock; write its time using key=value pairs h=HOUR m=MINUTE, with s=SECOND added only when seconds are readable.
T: h=4 m=39
